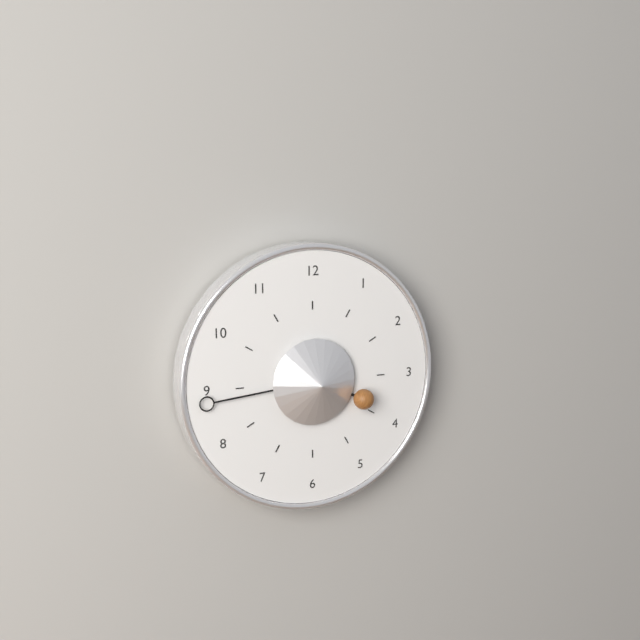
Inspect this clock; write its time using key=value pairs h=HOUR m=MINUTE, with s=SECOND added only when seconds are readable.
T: h=3 m=44
